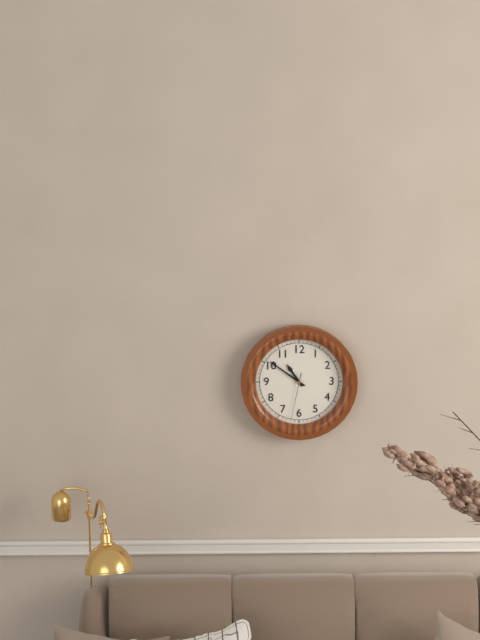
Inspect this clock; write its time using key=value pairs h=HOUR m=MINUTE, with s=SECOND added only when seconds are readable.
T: h=10 m=51
